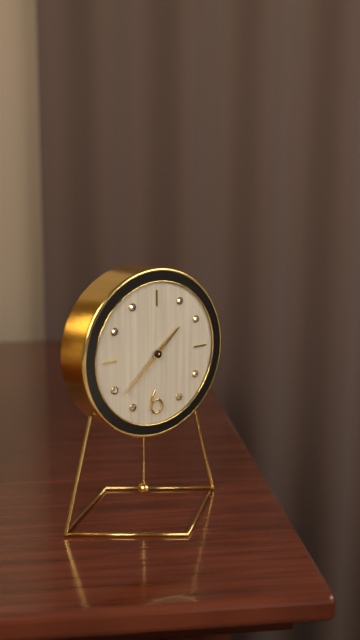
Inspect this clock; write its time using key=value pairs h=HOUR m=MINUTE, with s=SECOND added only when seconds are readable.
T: h=1 m=38
